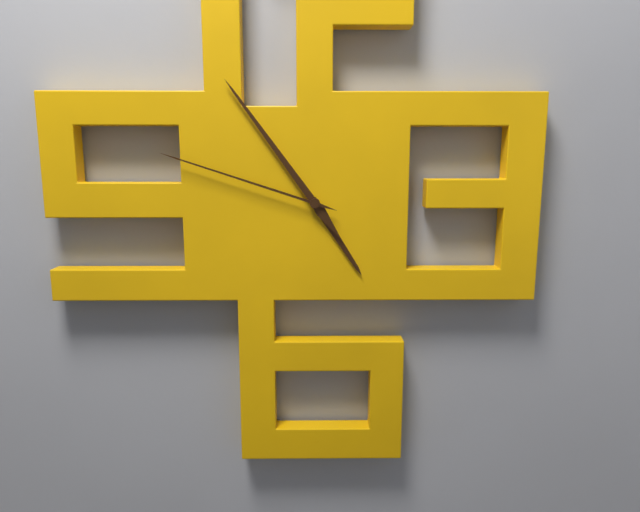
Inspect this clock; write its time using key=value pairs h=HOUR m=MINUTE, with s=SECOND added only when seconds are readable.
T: h=4 m=54 s=48
